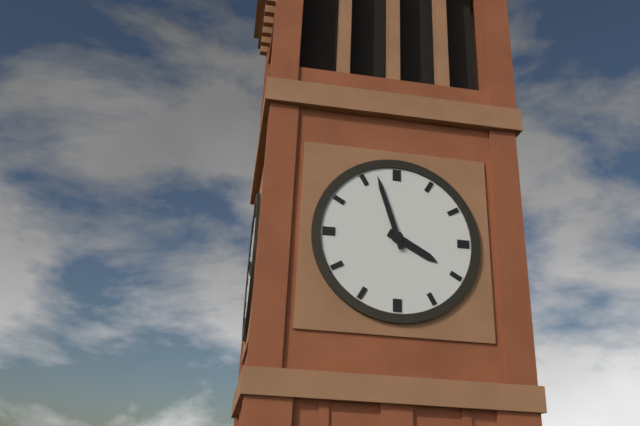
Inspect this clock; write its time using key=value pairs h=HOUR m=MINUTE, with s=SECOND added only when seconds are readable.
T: h=3 m=57
